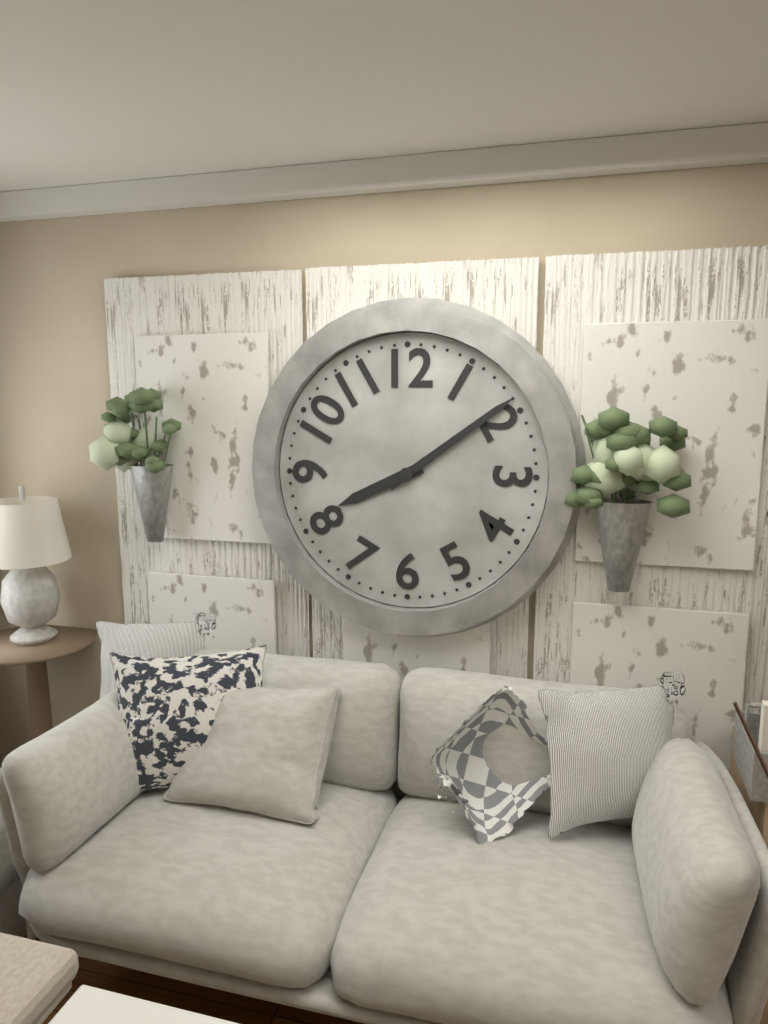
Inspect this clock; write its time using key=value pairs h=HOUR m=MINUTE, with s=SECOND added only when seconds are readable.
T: h=8 m=9
